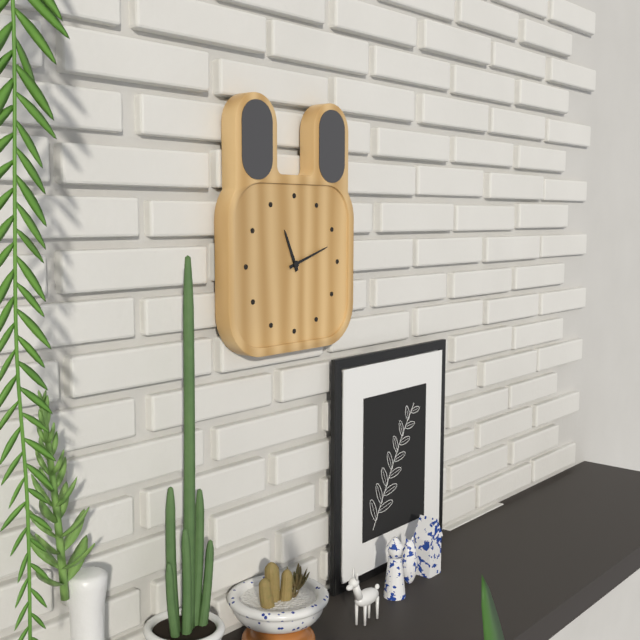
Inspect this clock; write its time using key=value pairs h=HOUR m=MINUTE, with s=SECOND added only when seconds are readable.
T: h=11 m=12
